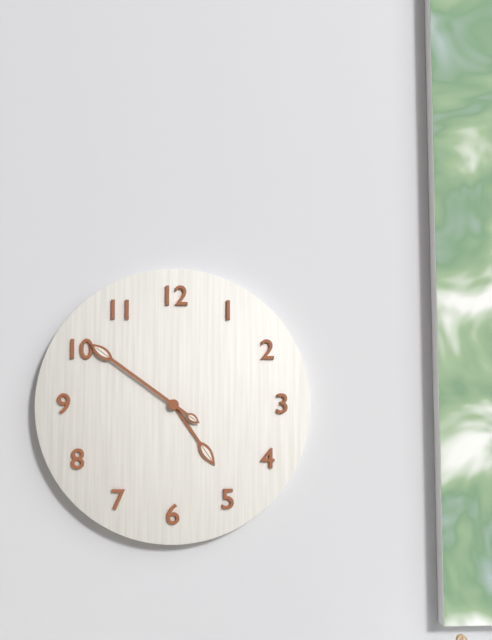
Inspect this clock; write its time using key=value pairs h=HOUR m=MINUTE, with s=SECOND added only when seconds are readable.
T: h=4 m=51
